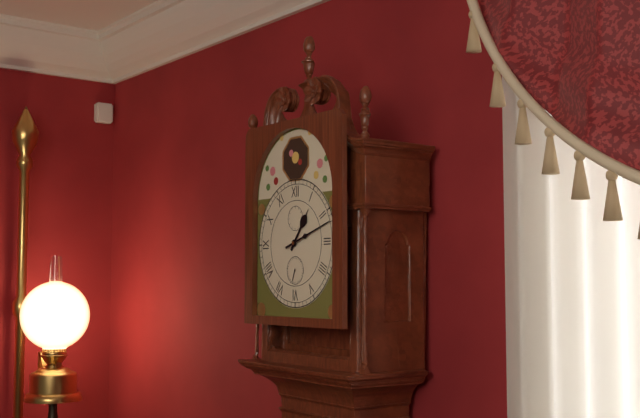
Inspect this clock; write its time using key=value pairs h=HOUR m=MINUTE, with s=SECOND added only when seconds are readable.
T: h=1 m=12
